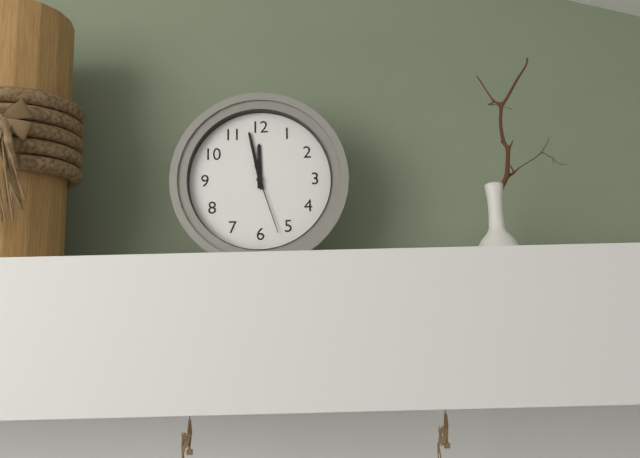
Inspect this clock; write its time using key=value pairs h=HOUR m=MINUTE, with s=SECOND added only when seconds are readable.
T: h=11 m=58 s=27
